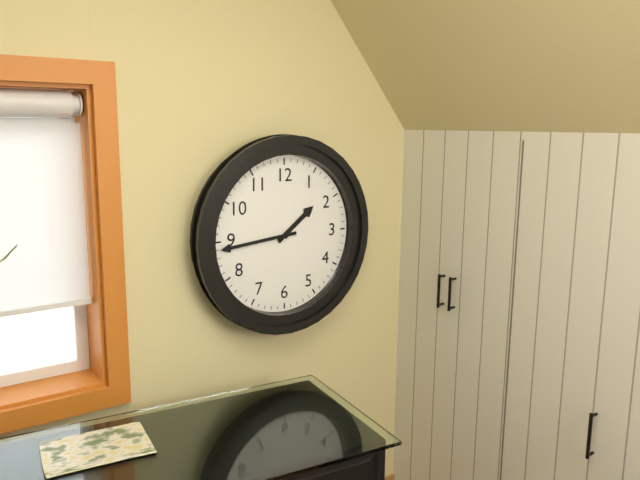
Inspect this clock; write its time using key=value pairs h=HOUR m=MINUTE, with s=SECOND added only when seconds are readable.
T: h=1 m=44
